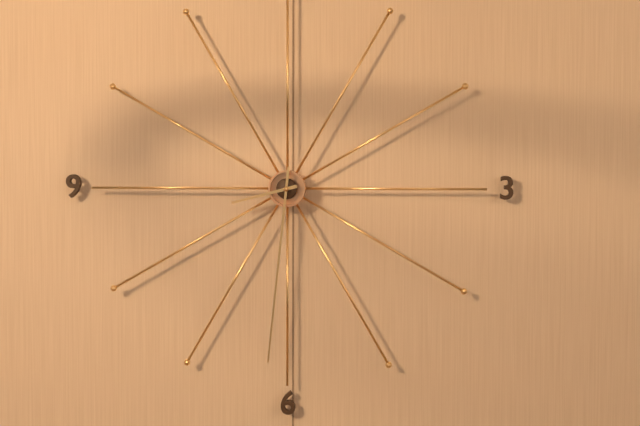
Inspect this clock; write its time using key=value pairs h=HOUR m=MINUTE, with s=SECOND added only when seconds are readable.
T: h=8 m=31
